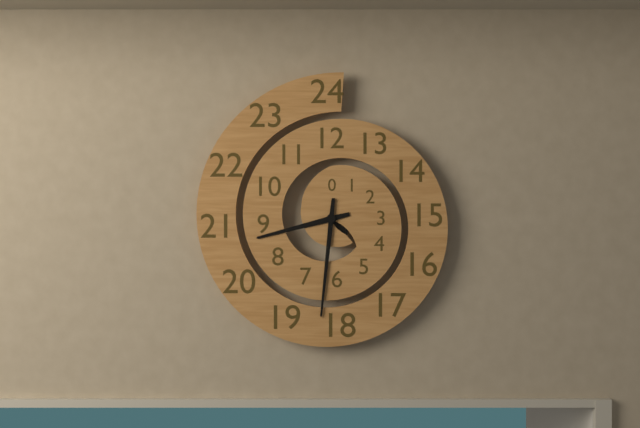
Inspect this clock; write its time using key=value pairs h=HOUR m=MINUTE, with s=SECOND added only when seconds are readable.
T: h=8 m=31
